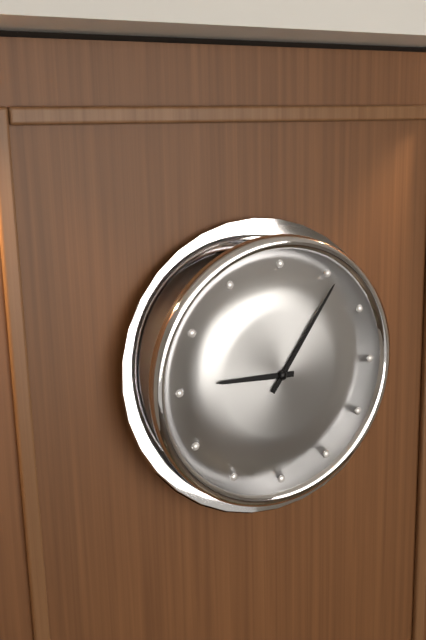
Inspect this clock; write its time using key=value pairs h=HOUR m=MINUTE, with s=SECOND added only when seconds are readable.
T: h=9 m=6
